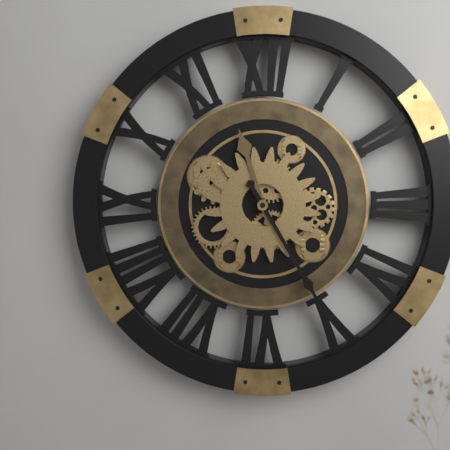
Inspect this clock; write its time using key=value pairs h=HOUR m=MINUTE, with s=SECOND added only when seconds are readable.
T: h=11 m=25
